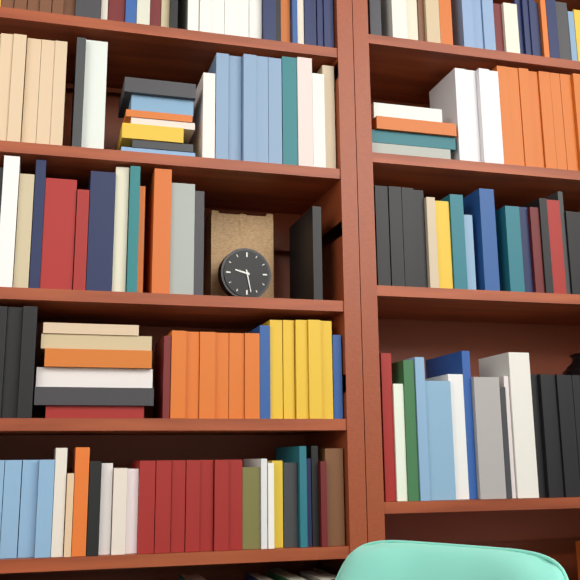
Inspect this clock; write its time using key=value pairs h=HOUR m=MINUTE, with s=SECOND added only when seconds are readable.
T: h=9 m=28
